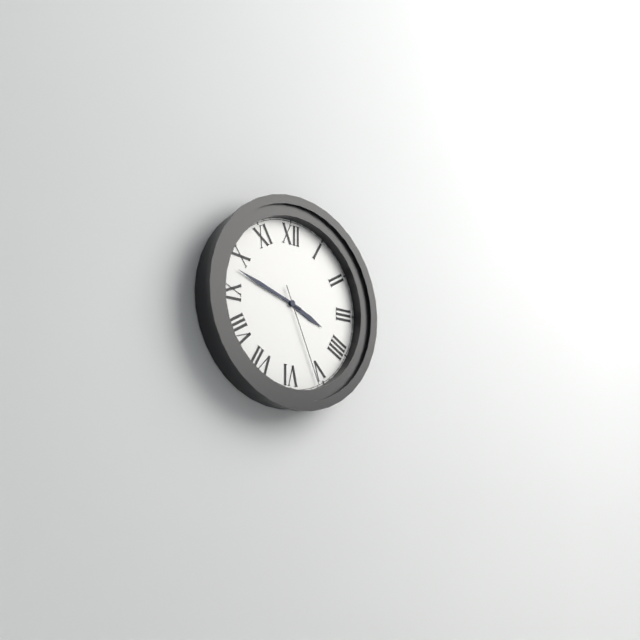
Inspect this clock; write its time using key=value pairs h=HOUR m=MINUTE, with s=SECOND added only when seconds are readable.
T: h=3 m=48 s=26
